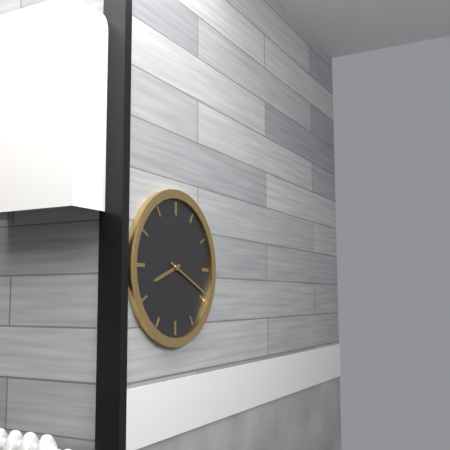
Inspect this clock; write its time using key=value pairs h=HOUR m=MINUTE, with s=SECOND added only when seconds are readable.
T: h=8 m=19
